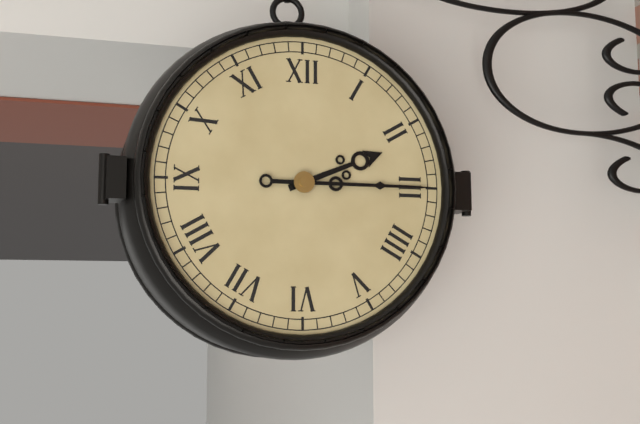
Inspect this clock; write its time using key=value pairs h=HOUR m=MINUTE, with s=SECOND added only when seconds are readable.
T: h=2 m=15
